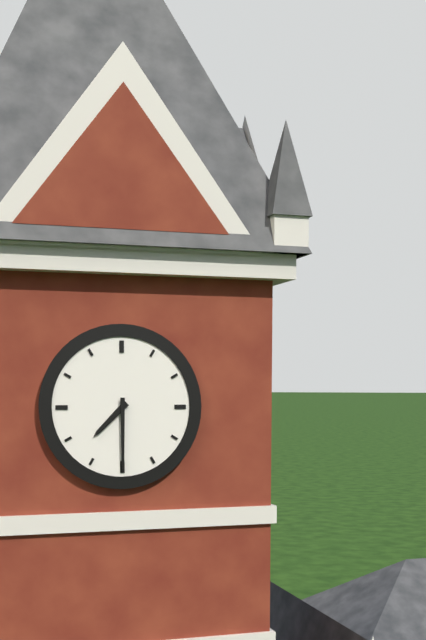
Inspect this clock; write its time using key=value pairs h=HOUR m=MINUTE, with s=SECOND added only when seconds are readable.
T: h=7 m=30
